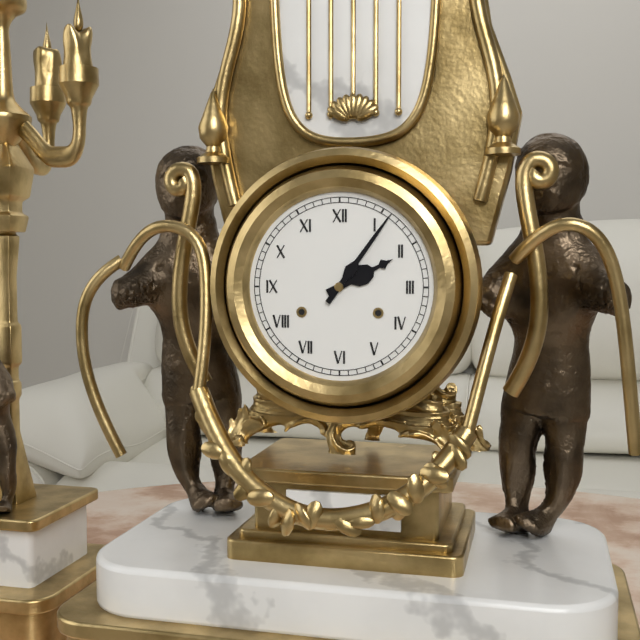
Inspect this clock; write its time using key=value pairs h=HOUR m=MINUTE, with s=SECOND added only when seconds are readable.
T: h=2 m=6
